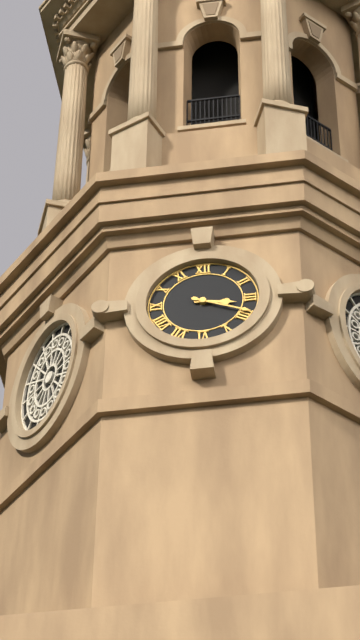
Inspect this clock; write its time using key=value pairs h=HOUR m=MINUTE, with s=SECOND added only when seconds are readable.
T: h=3 m=19
